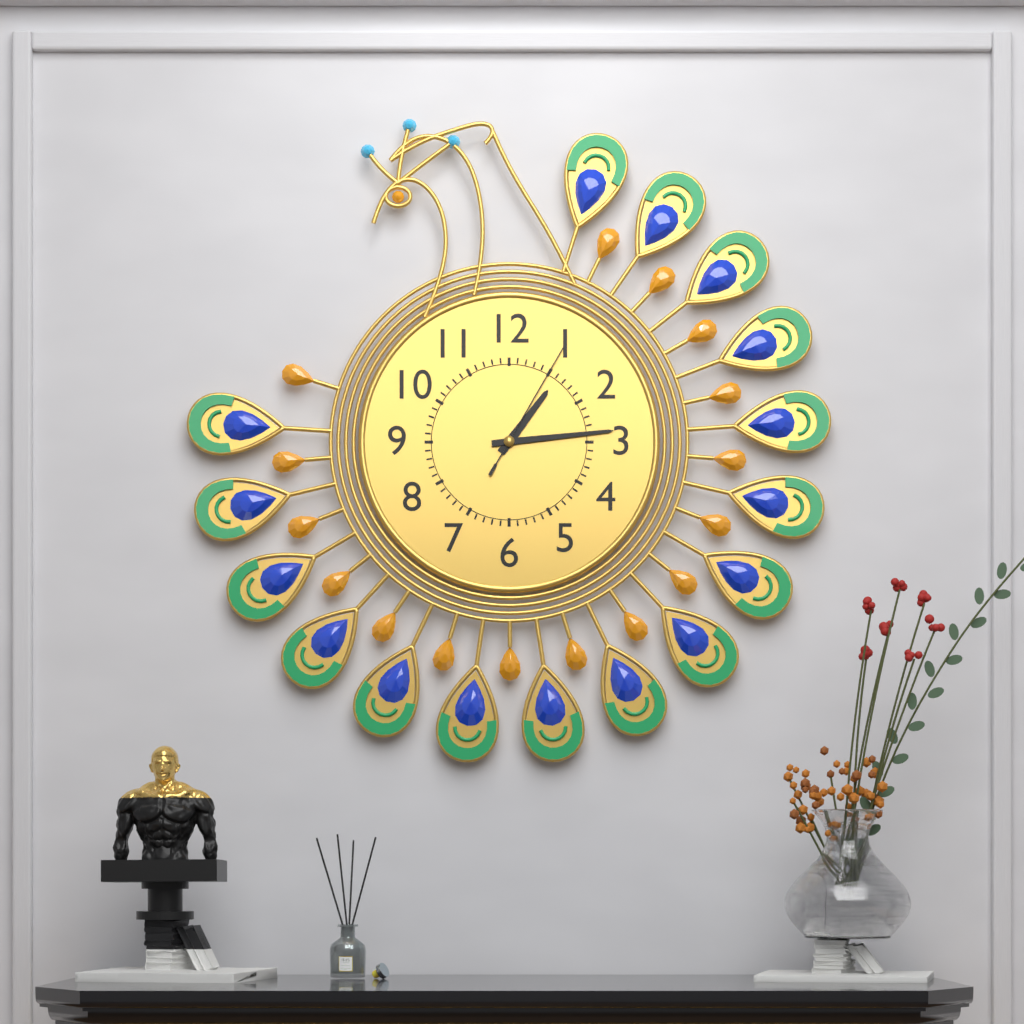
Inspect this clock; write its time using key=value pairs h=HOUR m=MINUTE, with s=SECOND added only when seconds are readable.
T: h=1 m=14 s=5
